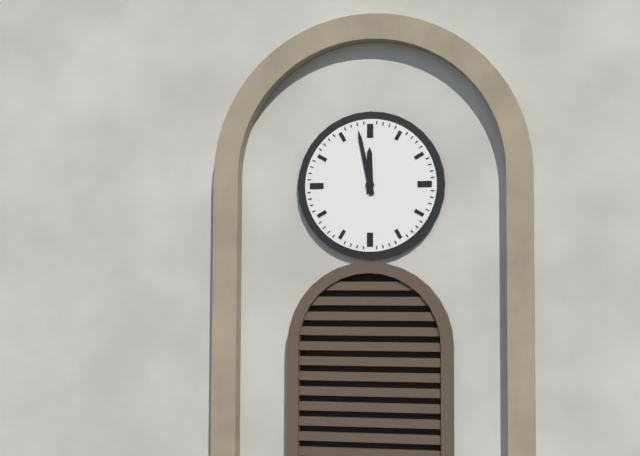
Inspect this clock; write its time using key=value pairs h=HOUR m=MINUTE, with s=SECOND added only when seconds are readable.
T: h=11 m=58
